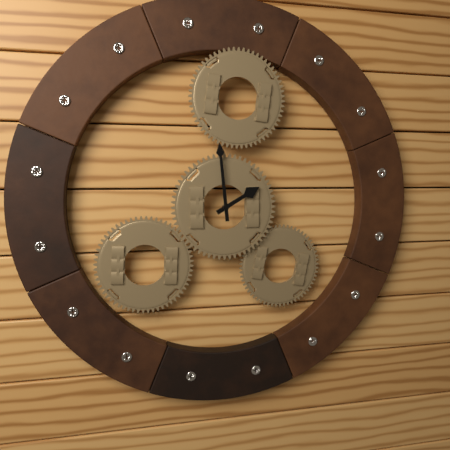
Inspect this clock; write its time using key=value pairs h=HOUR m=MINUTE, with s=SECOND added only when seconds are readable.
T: h=1 m=59
